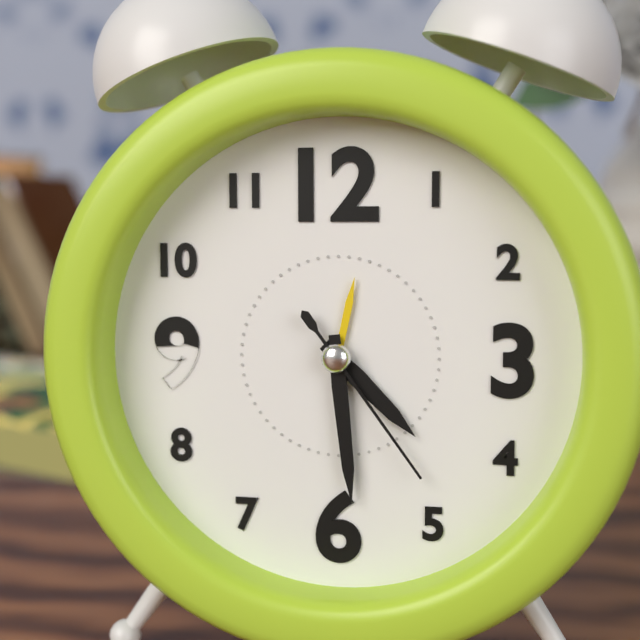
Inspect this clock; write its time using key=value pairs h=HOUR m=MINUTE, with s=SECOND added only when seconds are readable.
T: h=4 m=29 s=24
